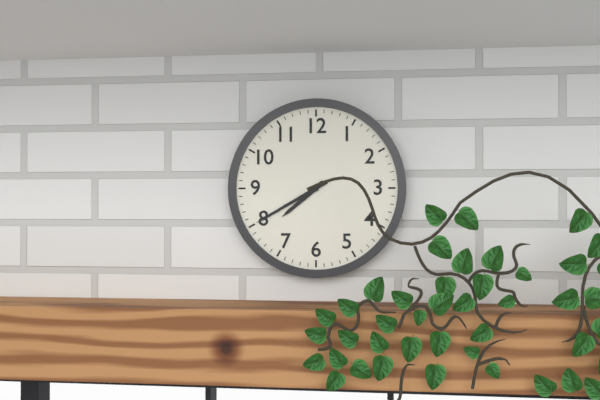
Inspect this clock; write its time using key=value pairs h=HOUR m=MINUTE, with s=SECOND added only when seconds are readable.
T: h=7 m=40
